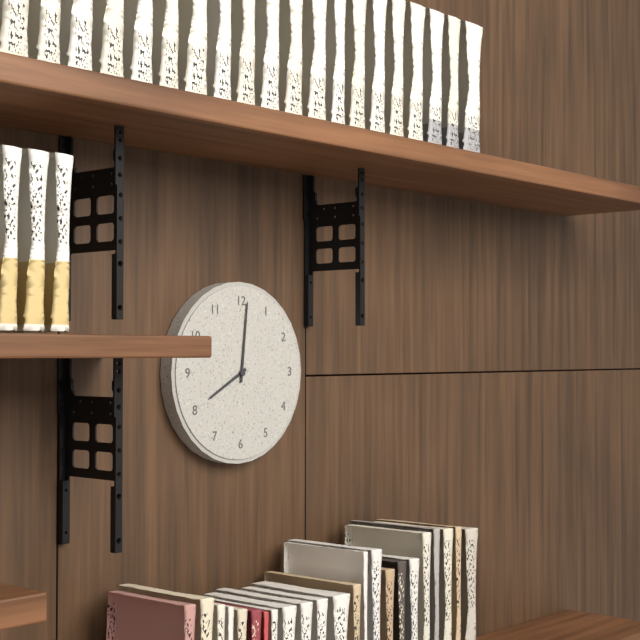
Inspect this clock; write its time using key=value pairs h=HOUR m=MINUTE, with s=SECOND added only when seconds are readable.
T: h=8 m=1
